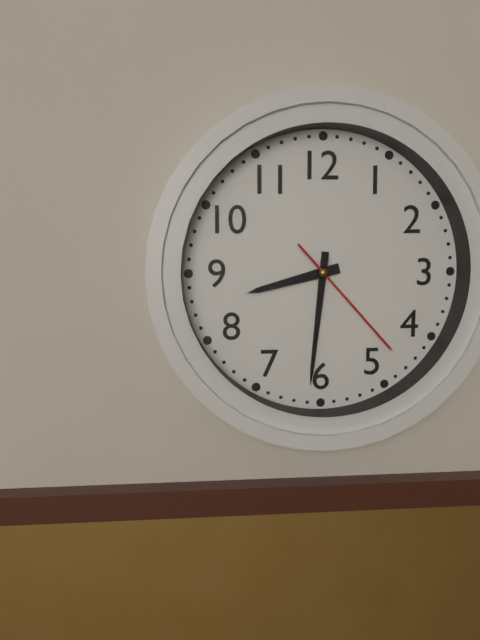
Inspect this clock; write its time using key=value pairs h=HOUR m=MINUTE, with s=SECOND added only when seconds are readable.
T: h=8 m=31 s=23
